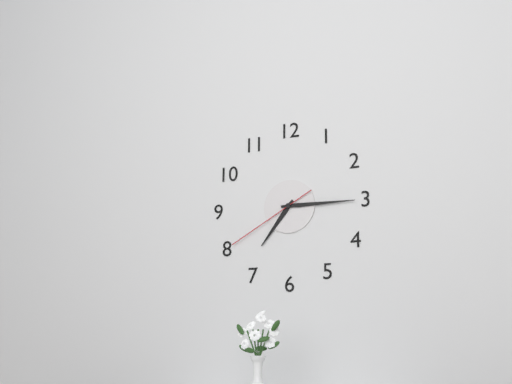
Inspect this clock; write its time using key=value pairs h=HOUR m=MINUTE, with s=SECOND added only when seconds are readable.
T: h=7 m=15 s=40
